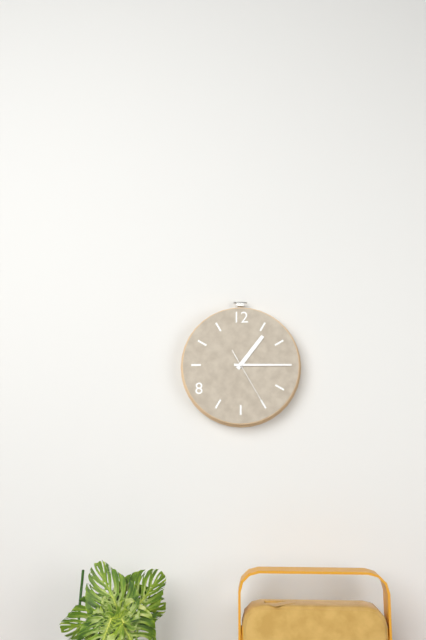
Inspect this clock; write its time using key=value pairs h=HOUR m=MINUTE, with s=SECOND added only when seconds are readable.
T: h=1 m=15 s=25
